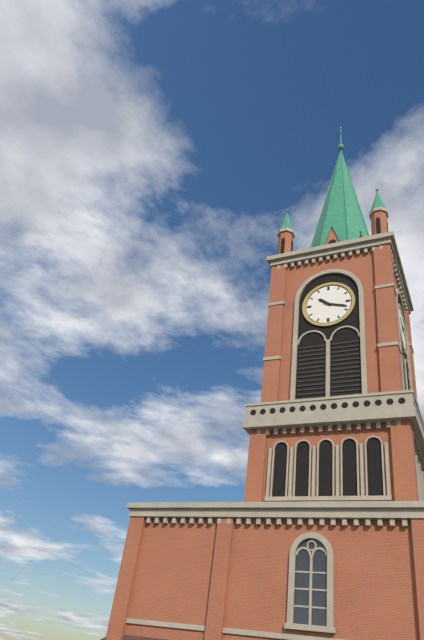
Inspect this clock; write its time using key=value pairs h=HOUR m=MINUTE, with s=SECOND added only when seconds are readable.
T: h=10 m=18
